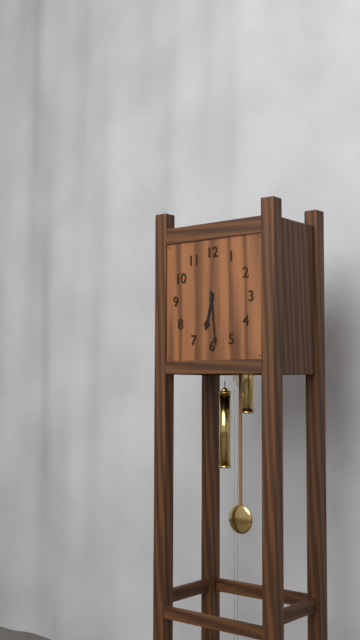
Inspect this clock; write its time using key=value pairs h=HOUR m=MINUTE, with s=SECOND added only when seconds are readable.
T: h=6 m=29
